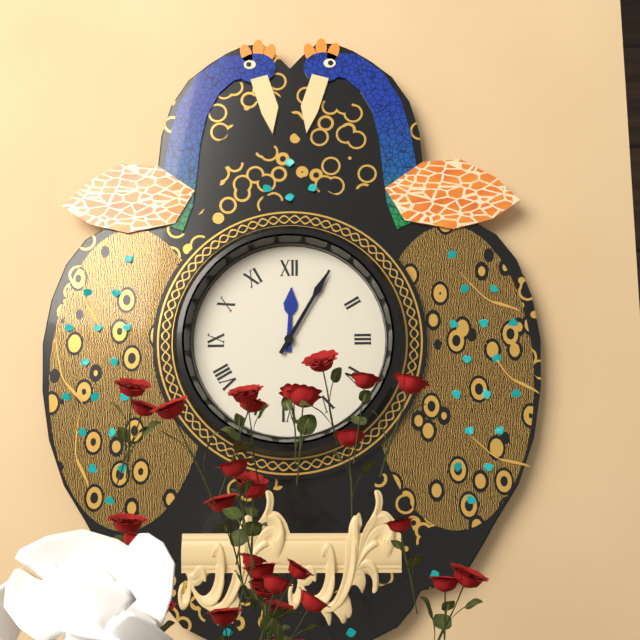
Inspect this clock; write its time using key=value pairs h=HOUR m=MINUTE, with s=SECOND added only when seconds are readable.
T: h=12 m=5
